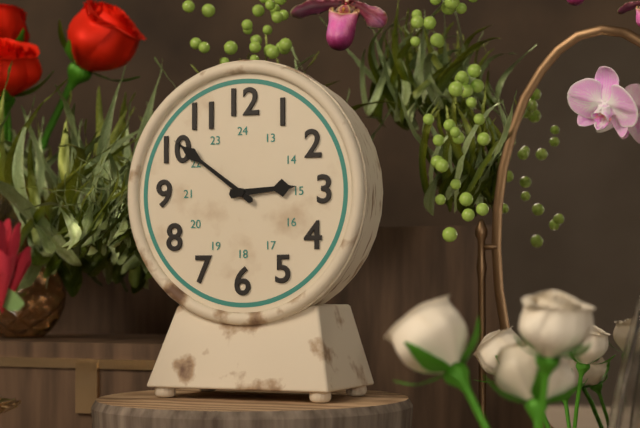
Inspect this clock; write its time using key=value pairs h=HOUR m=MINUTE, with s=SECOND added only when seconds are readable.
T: h=2 m=51
